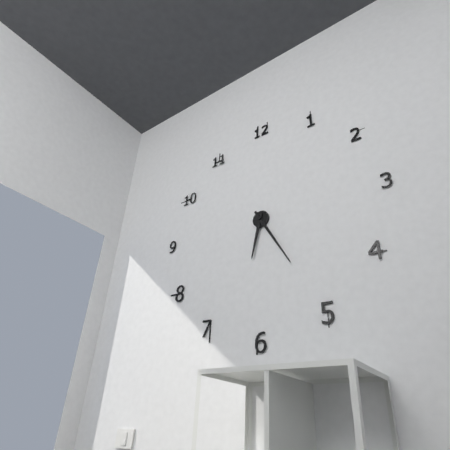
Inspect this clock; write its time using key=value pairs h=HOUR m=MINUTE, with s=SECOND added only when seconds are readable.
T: h=6 m=25
